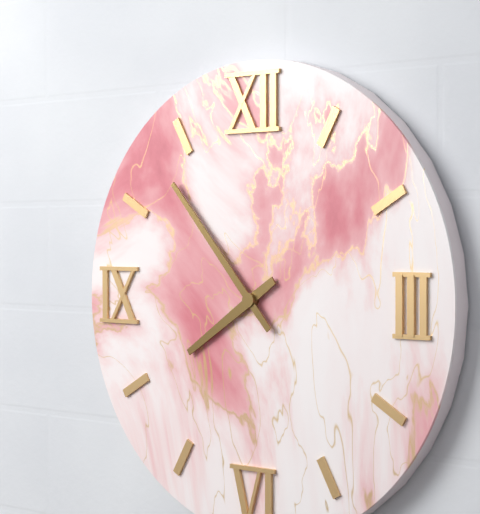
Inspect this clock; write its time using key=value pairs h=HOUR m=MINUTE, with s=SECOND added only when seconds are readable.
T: h=7 m=53
